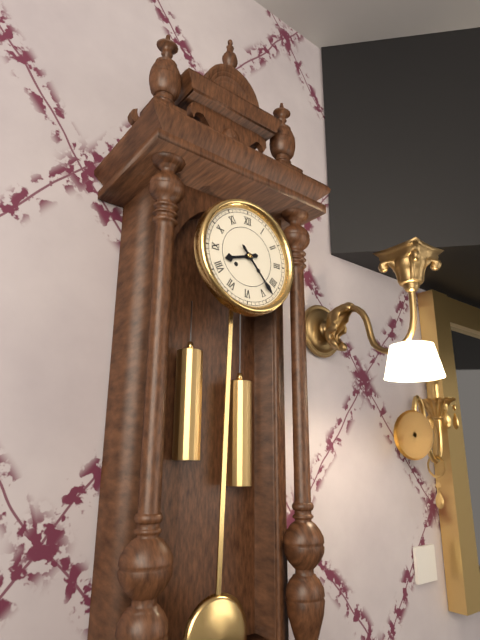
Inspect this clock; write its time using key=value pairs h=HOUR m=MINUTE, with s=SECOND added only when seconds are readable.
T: h=8 m=23
